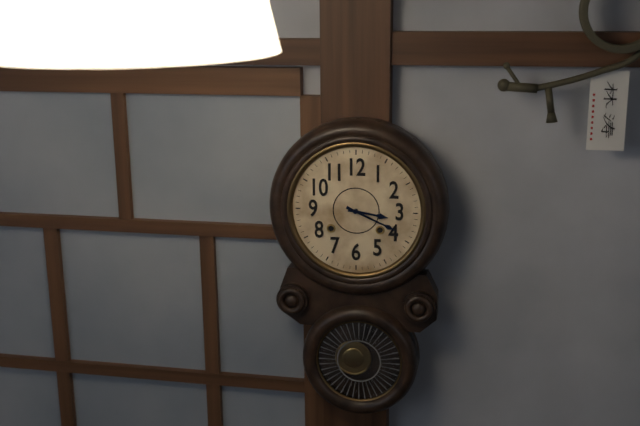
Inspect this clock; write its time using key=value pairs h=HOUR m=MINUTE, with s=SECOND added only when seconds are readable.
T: h=3 m=19
